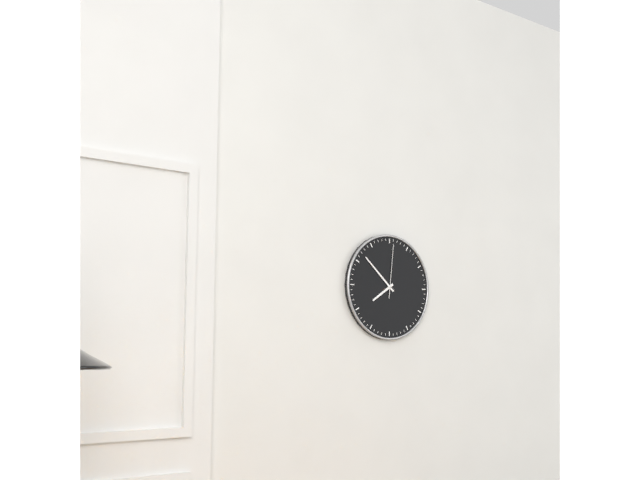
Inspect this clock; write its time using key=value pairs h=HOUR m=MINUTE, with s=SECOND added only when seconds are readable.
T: h=7 m=52 s=1
